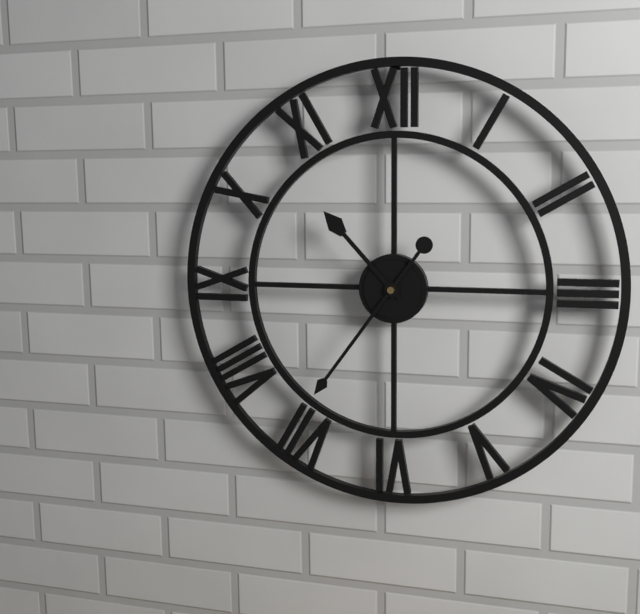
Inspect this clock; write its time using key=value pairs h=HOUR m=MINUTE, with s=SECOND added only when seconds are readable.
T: h=10 m=36
